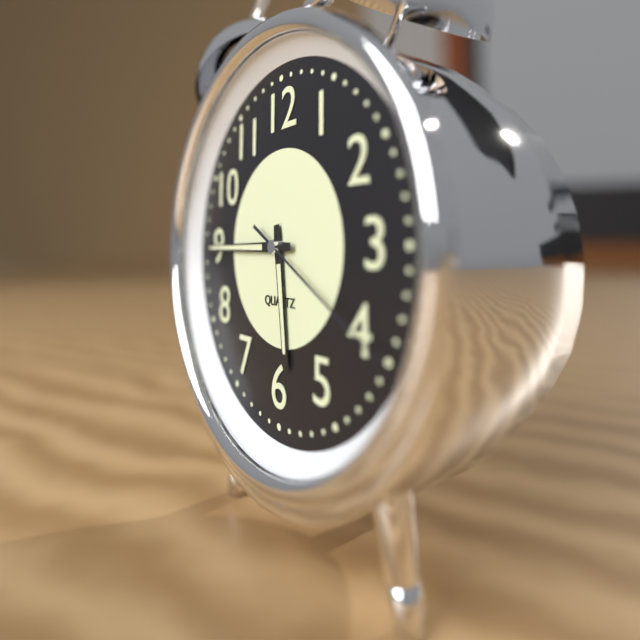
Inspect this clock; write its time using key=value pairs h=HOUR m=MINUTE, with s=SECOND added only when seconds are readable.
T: h=5 m=45 s=20
